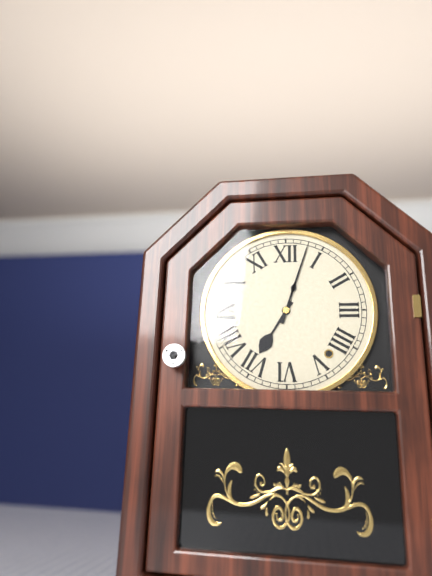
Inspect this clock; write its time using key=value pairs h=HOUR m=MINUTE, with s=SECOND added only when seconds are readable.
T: h=7 m=3
